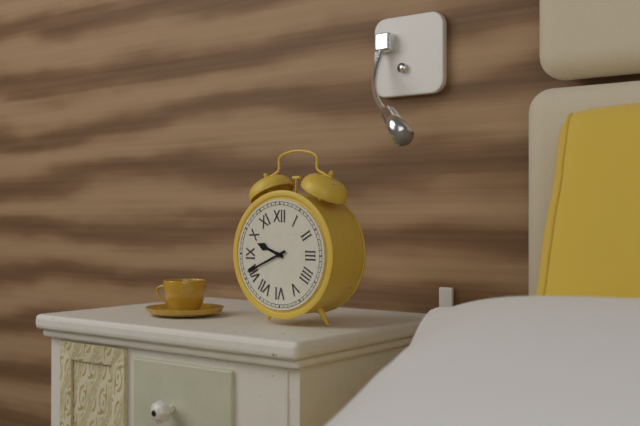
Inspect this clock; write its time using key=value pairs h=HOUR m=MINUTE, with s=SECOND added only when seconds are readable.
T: h=9 m=41
